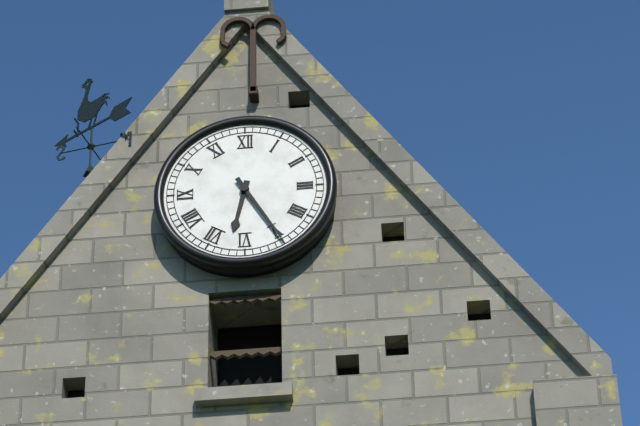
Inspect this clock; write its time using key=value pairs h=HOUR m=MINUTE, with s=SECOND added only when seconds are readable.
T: h=6 m=25
